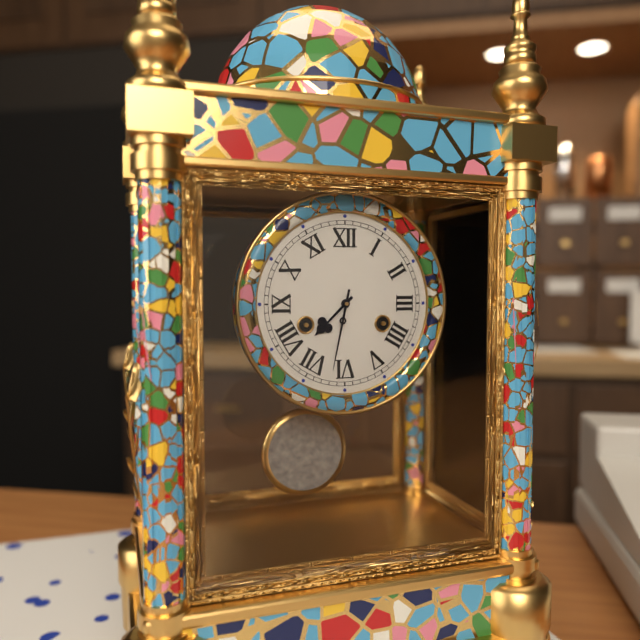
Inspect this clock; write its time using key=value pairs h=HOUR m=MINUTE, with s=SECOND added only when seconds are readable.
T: h=7 m=32
